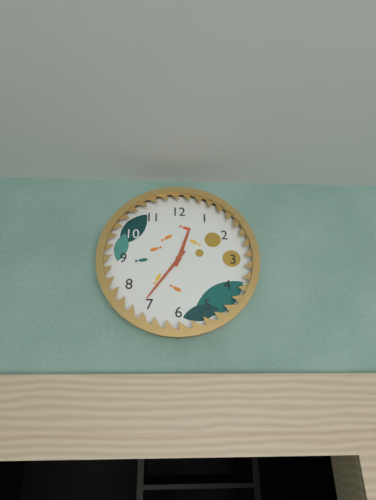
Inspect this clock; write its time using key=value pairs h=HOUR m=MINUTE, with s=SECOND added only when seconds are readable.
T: h=12 m=36
